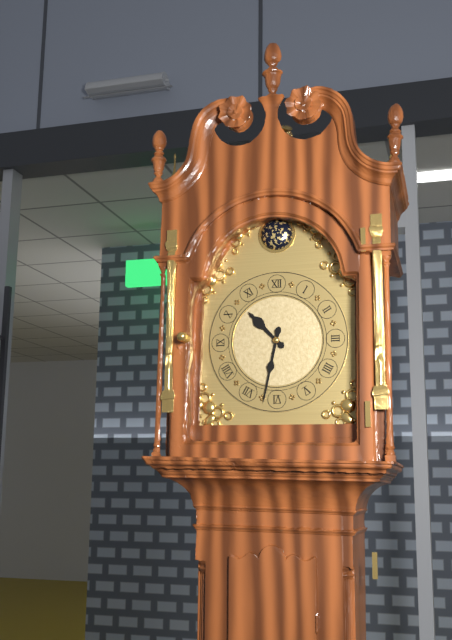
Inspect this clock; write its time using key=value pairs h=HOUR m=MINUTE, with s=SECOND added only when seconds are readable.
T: h=10 m=32
